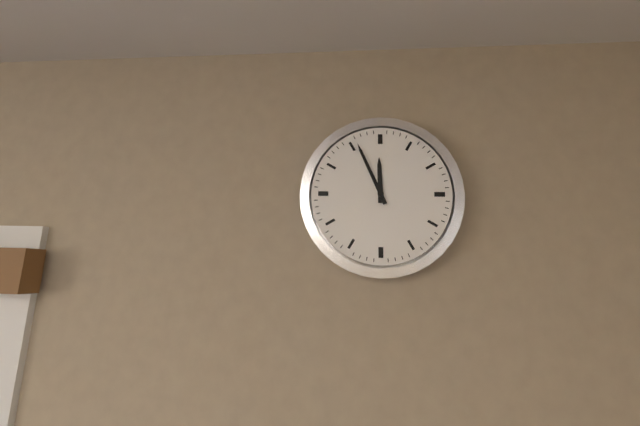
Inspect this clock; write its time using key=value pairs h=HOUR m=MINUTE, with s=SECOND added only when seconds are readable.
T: h=11 m=56
